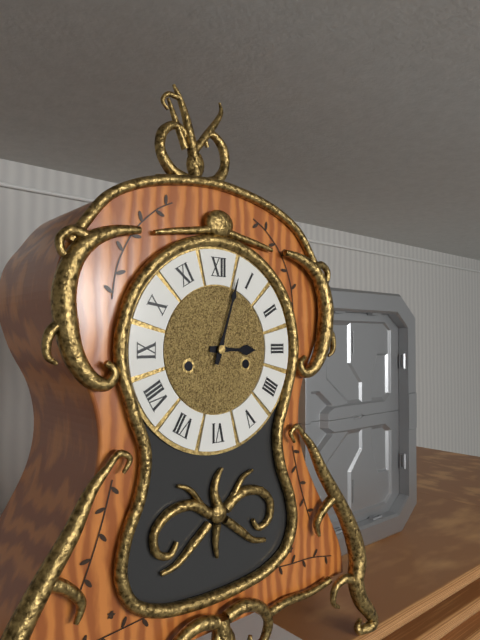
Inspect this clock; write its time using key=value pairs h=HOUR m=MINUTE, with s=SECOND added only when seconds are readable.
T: h=3 m=3
